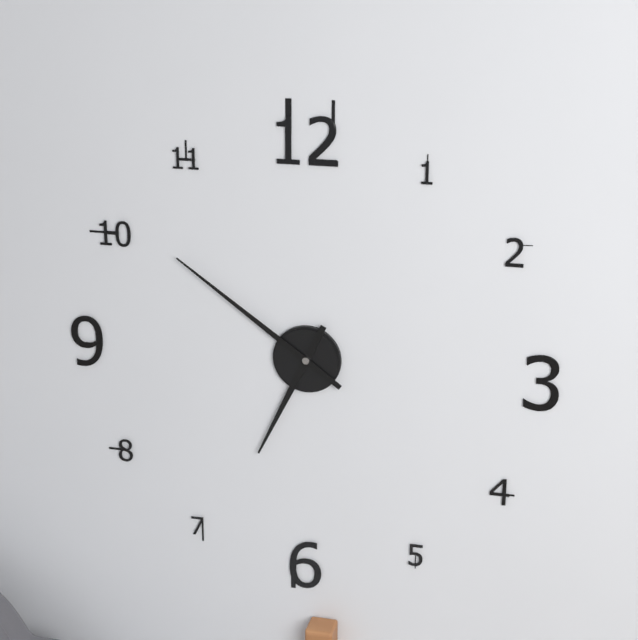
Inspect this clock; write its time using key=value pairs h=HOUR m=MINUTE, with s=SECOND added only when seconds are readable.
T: h=6 m=51
